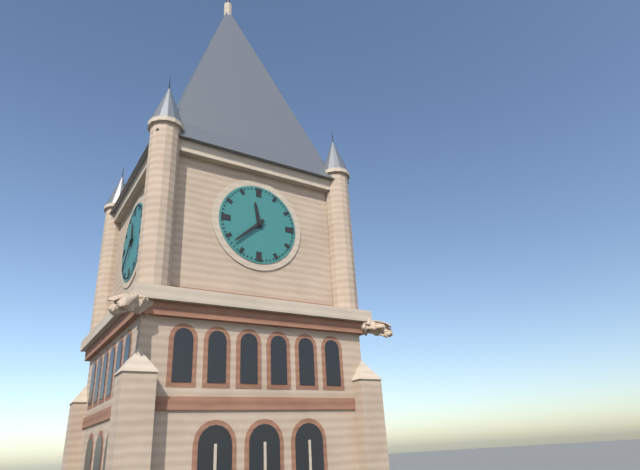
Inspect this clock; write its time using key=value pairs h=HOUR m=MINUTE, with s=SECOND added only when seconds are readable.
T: h=11 m=38
